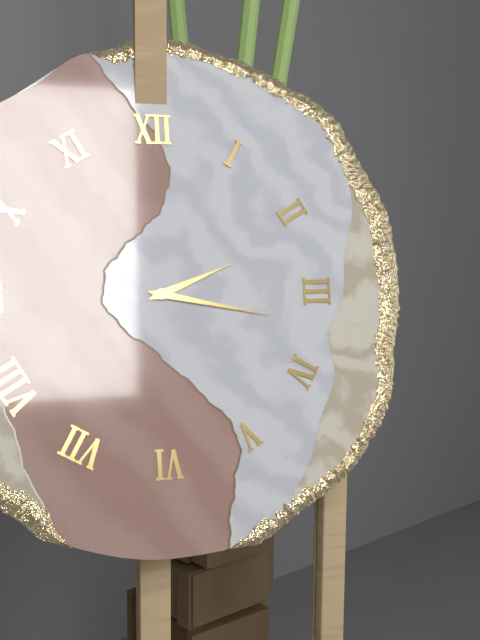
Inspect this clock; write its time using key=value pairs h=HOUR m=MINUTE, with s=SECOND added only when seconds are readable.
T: h=2 m=17
